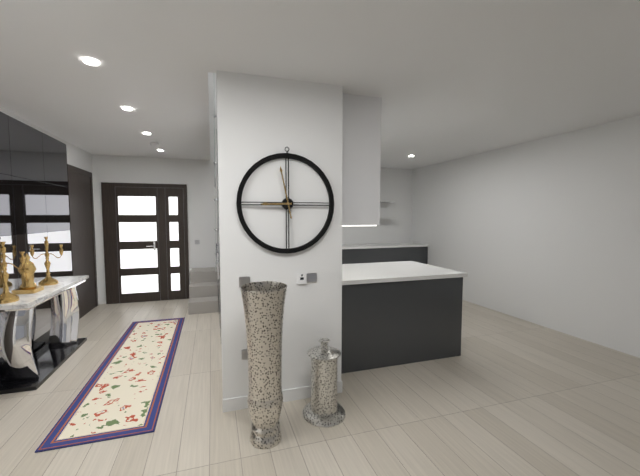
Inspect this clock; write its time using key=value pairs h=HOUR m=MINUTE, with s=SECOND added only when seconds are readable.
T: h=8 m=58
